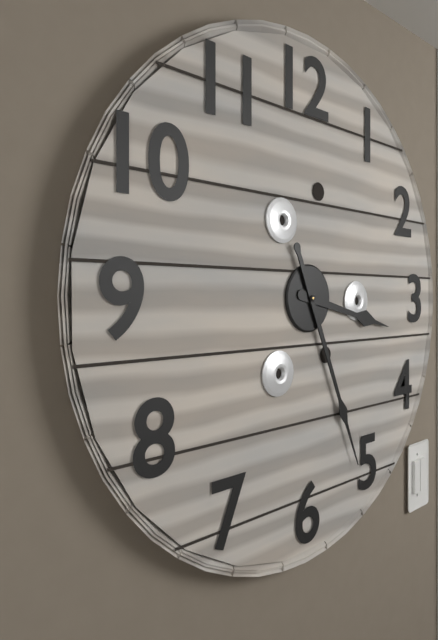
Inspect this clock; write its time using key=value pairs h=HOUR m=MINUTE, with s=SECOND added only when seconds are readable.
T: h=3 m=26
